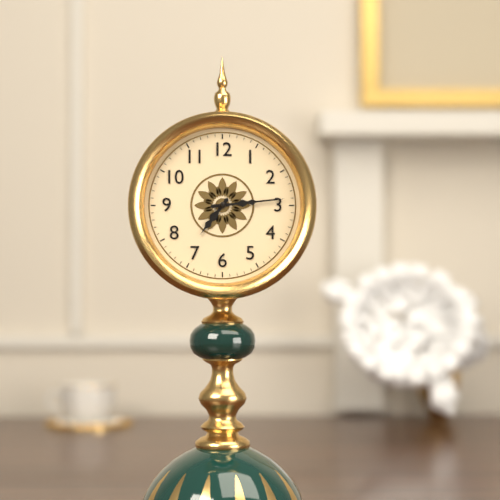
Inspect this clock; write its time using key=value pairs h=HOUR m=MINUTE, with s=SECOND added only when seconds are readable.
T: h=7 m=14
